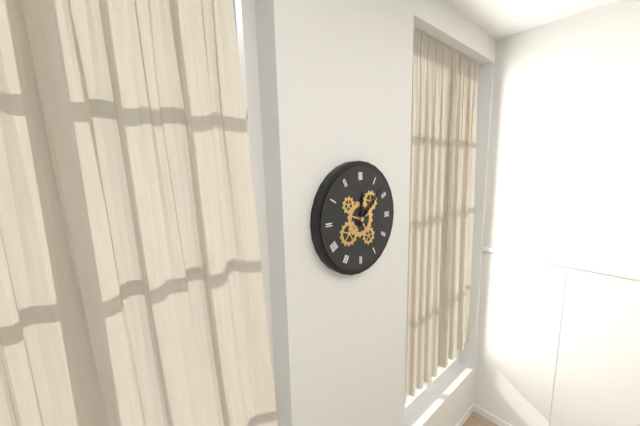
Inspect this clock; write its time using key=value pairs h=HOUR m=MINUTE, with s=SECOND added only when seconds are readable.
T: h=12 m=8
